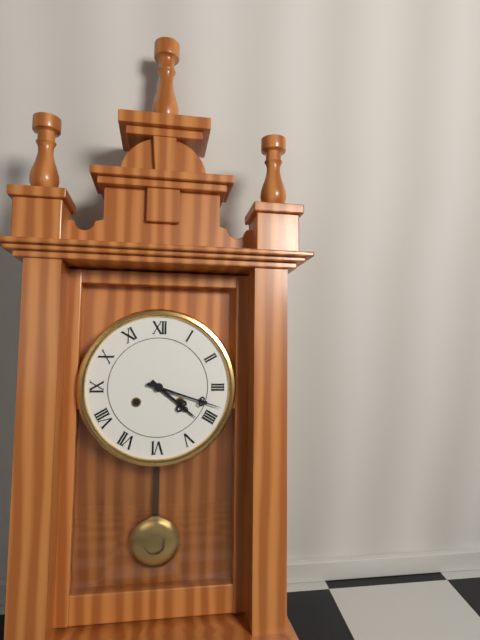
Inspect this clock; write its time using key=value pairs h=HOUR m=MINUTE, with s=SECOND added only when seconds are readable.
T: h=4 m=18
